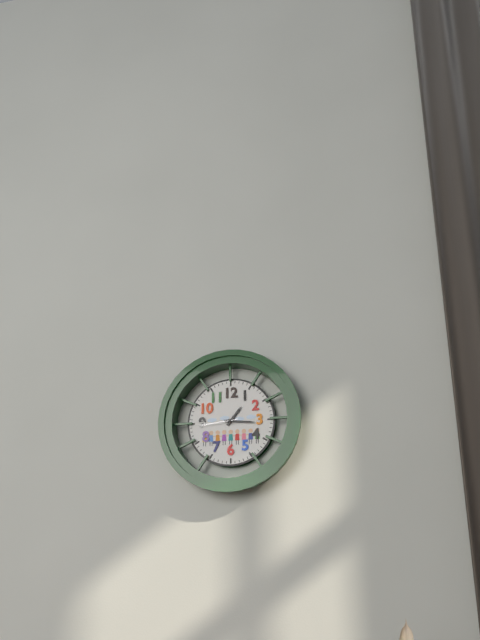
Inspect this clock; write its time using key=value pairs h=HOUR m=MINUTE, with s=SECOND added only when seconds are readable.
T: h=1 m=16
